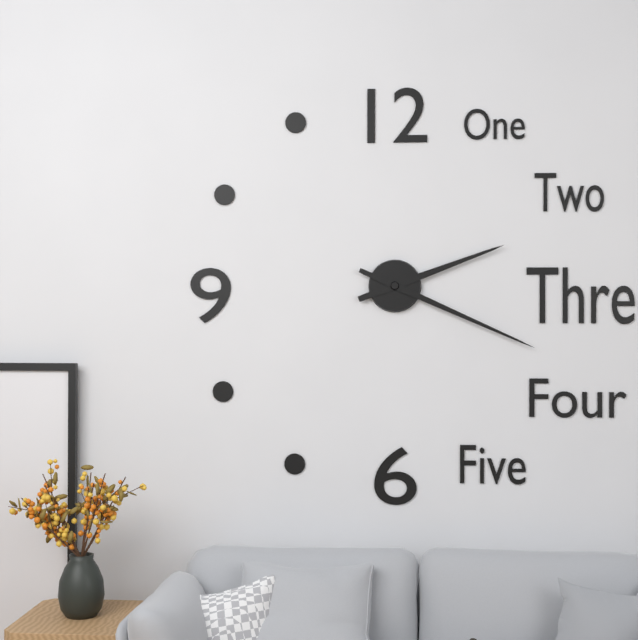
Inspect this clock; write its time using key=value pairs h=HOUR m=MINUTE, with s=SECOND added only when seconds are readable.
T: h=2 m=19
